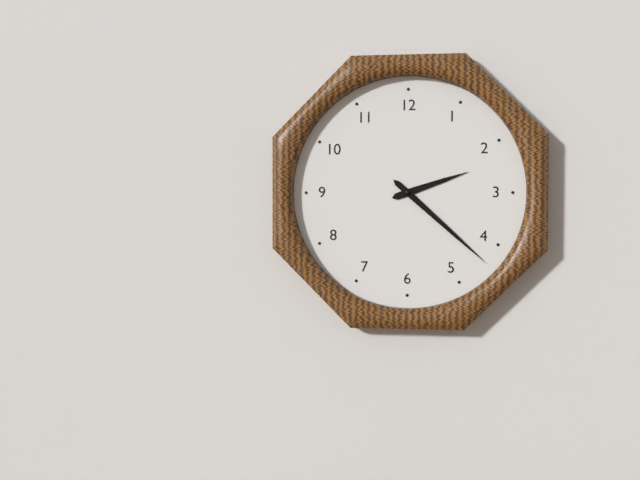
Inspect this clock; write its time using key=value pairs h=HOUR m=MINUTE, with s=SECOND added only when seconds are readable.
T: h=2 m=22
